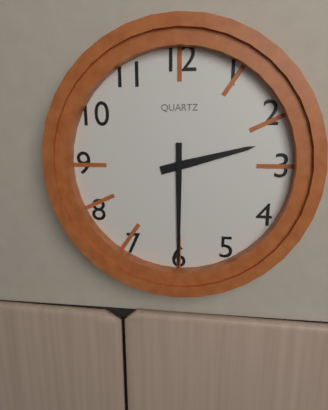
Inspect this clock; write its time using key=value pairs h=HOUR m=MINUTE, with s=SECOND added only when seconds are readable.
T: h=2 m=30
